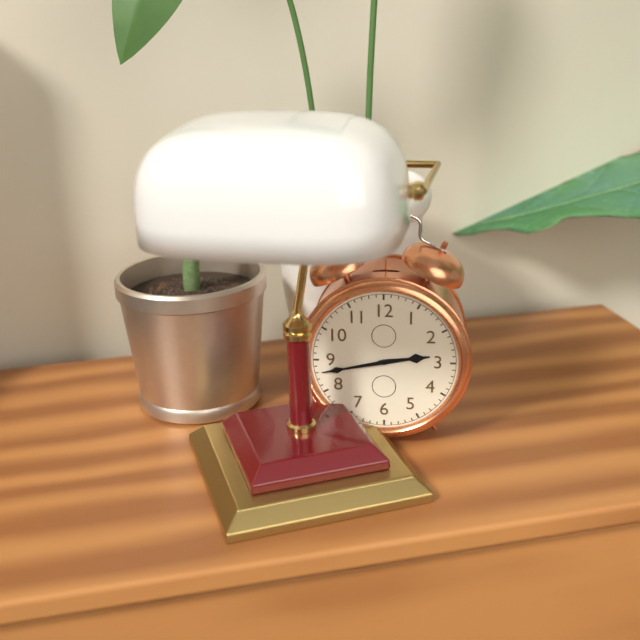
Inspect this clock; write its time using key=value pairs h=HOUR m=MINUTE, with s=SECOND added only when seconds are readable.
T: h=2 m=43
